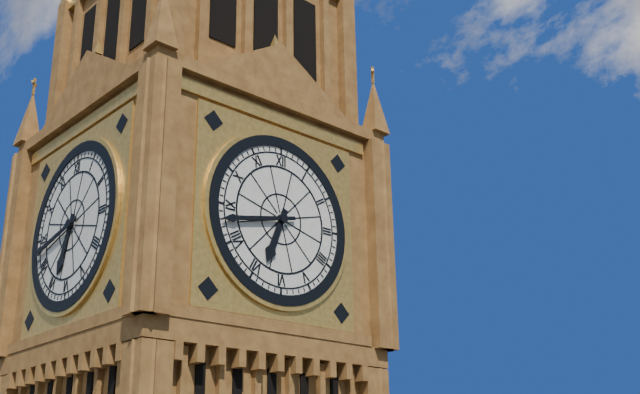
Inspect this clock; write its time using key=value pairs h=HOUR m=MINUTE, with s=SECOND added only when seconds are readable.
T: h=6 m=43
